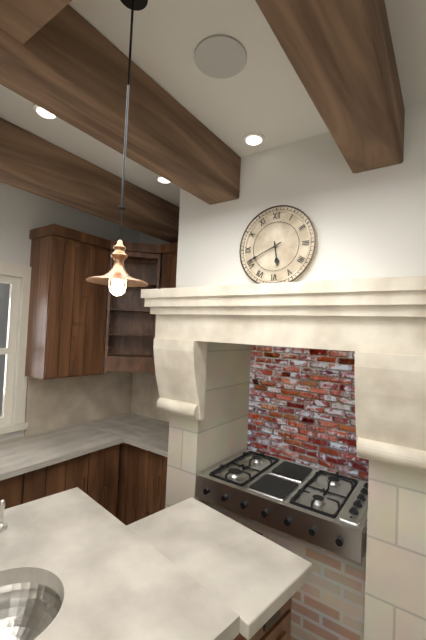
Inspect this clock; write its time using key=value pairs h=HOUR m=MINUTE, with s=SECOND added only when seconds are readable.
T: h=5 m=41
